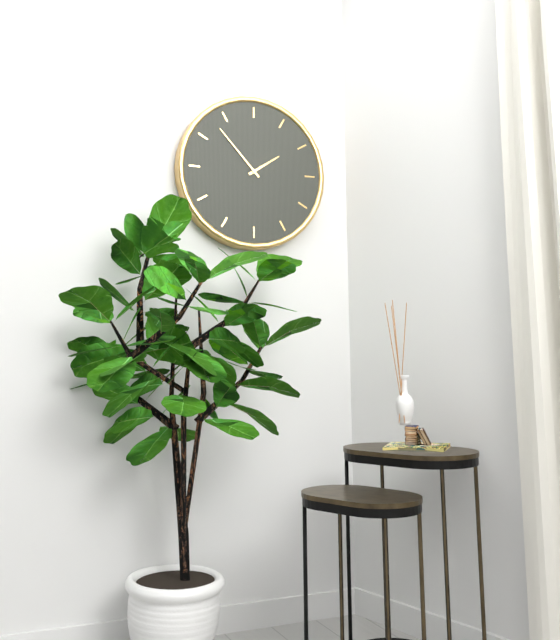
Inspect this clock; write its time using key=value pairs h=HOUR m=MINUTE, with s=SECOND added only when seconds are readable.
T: h=1 m=53
